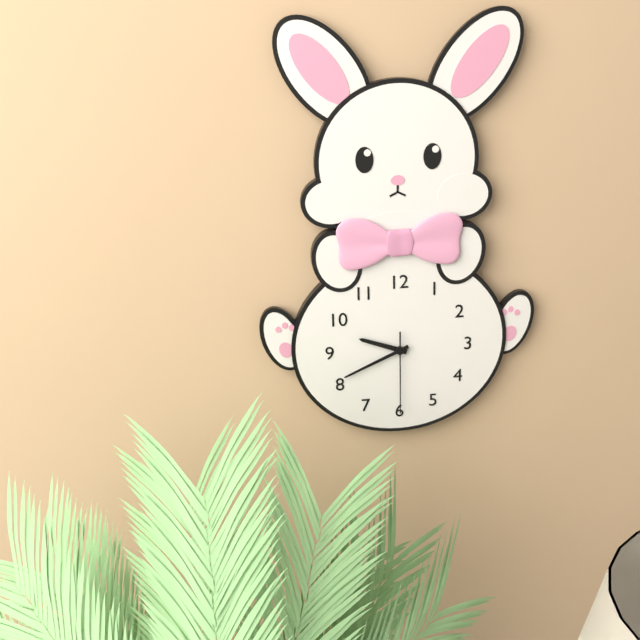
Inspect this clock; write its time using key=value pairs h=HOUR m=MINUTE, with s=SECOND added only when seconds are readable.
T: h=9 m=41 s=30
